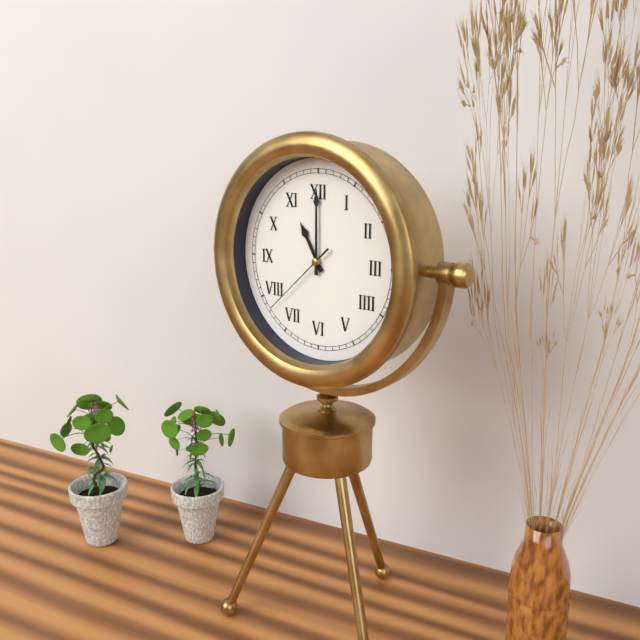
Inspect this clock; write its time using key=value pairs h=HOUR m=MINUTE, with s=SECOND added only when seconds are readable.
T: h=11 m=0 s=38
